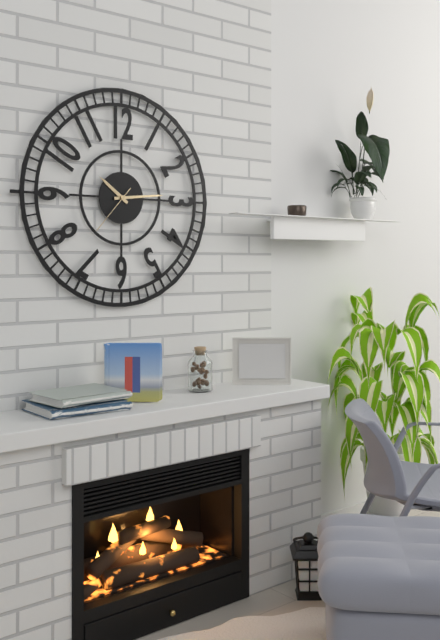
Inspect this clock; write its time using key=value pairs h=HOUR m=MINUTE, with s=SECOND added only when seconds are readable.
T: h=10 m=14 s=37
